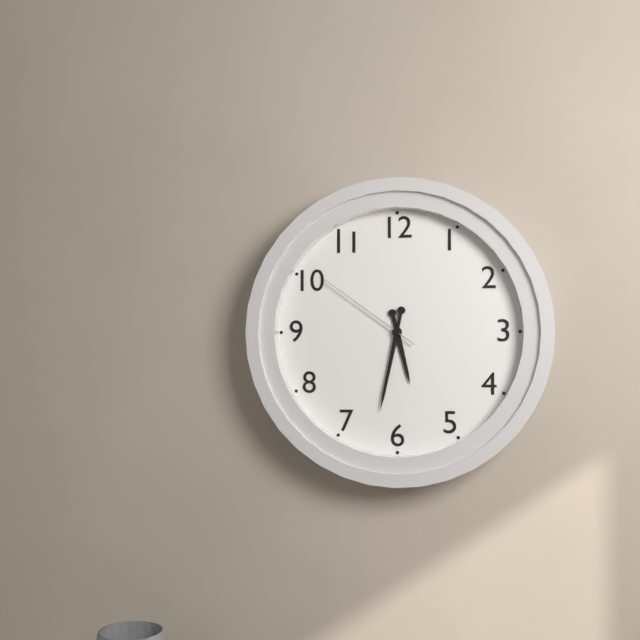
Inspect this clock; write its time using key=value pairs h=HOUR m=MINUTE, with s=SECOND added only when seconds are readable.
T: h=5 m=32 s=51
